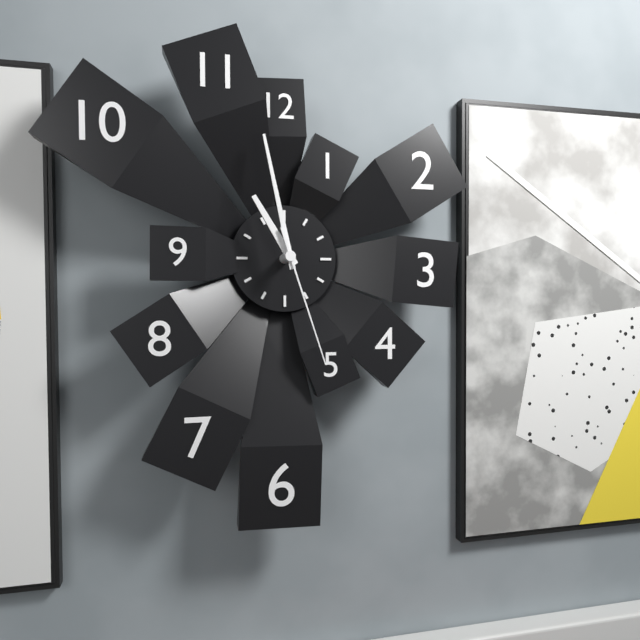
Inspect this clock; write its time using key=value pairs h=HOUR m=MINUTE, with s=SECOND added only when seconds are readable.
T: h=10 m=58 s=27
